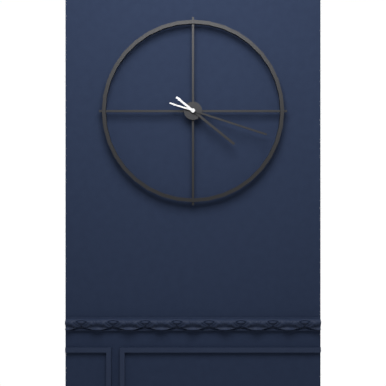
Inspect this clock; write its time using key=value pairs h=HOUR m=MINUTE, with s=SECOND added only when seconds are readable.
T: h=4 m=18
